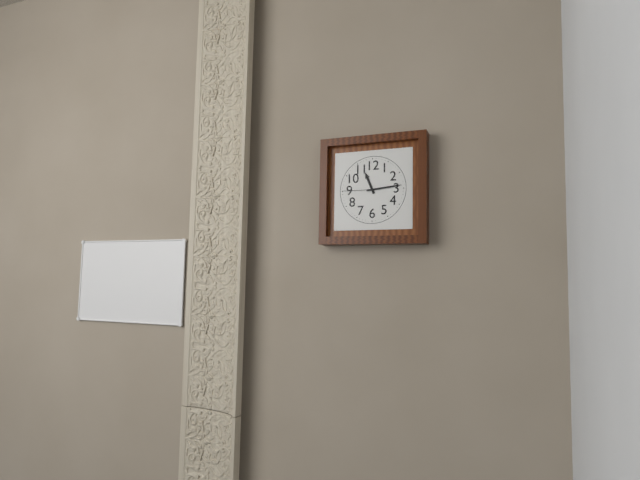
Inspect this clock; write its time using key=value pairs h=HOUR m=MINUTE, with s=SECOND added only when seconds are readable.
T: h=11 m=14
